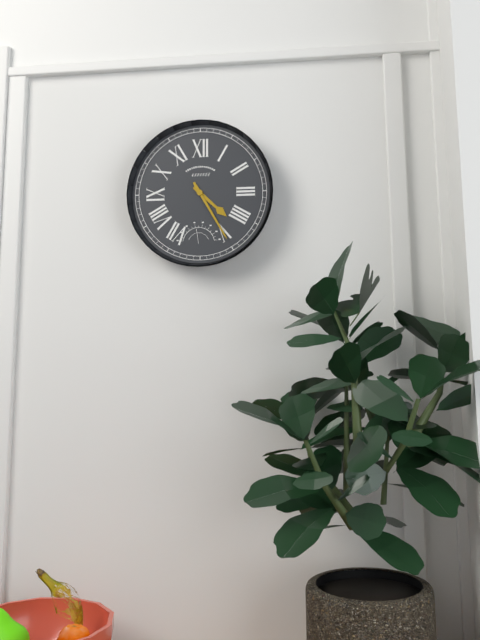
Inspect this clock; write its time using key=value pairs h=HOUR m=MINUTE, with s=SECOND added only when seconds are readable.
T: h=4 m=25
